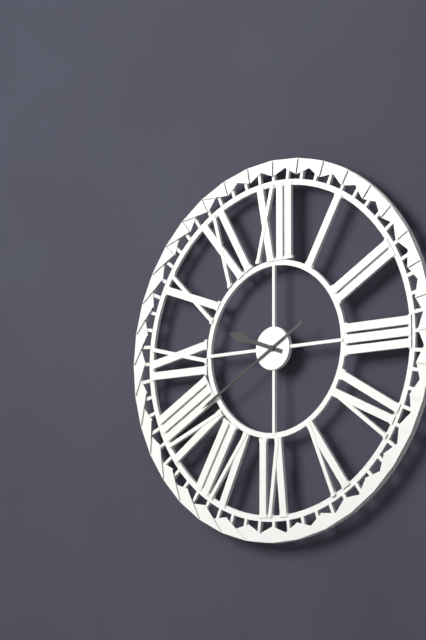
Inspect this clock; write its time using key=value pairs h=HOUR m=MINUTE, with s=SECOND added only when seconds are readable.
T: h=9 m=40
